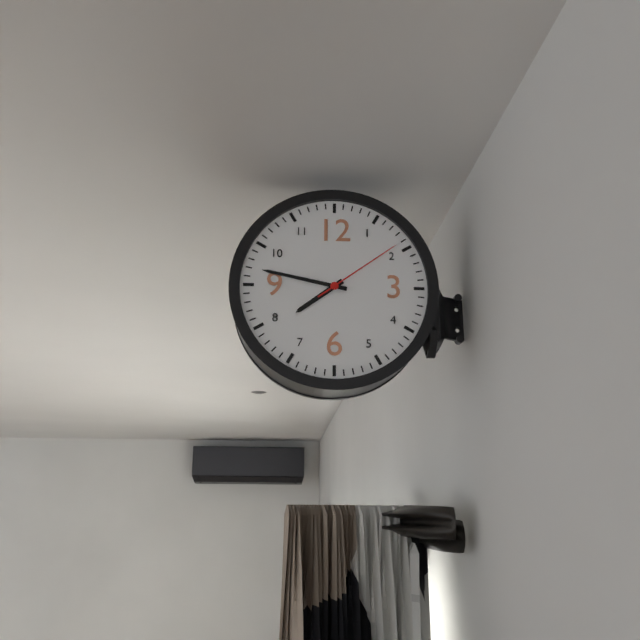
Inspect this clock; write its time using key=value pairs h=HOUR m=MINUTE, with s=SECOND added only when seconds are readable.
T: h=7 m=47 s=9
